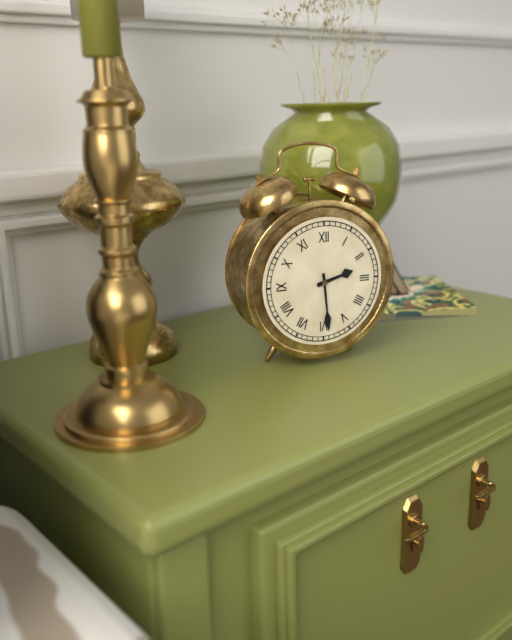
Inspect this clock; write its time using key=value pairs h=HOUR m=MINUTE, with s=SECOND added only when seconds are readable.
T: h=2 m=29
